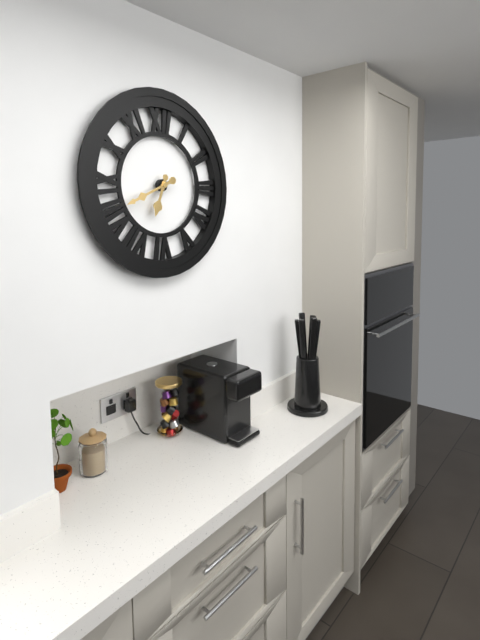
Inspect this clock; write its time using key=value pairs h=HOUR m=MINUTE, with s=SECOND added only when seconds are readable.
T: h=6 m=41
